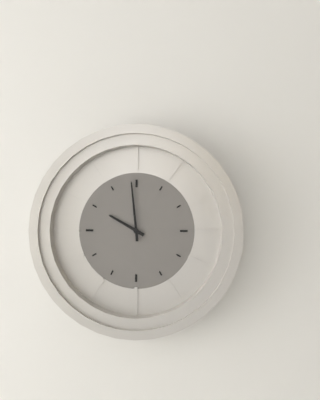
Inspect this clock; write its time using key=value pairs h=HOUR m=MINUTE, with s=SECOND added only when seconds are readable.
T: h=9 m=59
